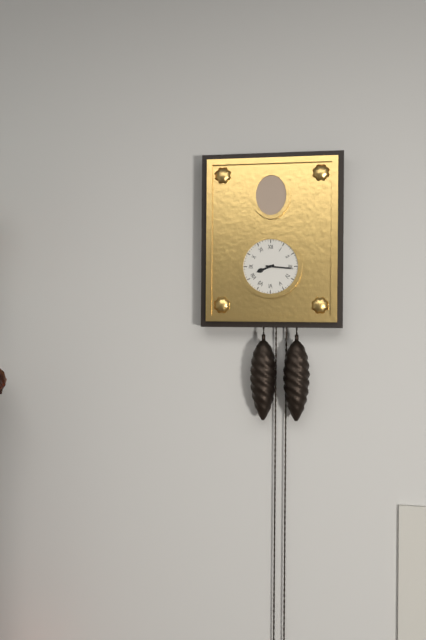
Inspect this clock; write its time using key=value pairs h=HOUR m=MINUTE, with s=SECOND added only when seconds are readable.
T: h=8 m=16
